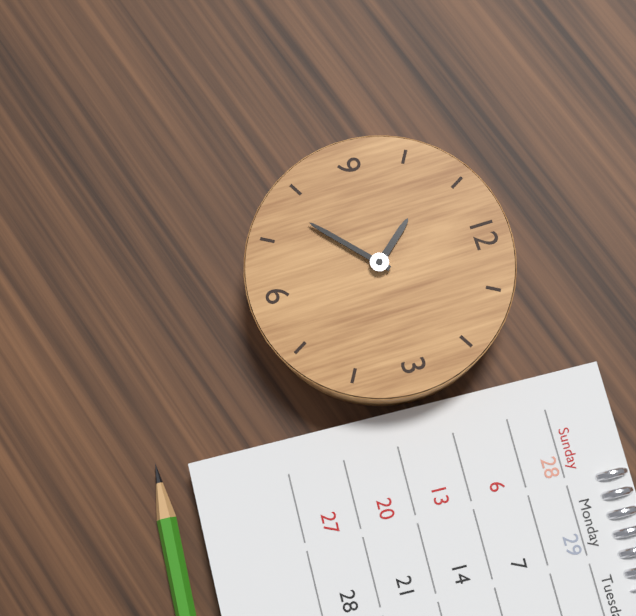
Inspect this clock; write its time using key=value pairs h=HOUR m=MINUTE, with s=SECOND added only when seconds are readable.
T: h=10 m=38
